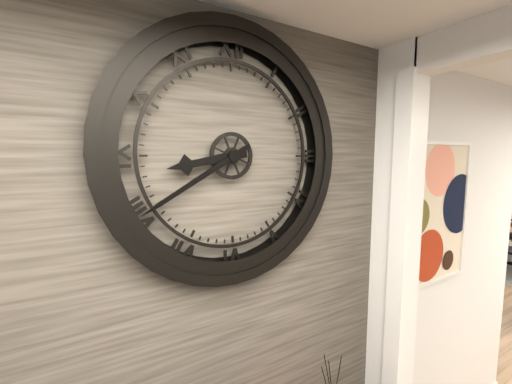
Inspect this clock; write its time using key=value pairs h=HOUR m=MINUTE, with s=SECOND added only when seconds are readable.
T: h=8 m=40
